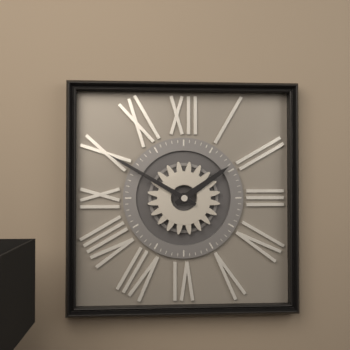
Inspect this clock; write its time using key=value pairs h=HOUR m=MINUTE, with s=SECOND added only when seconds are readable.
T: h=1 m=50
